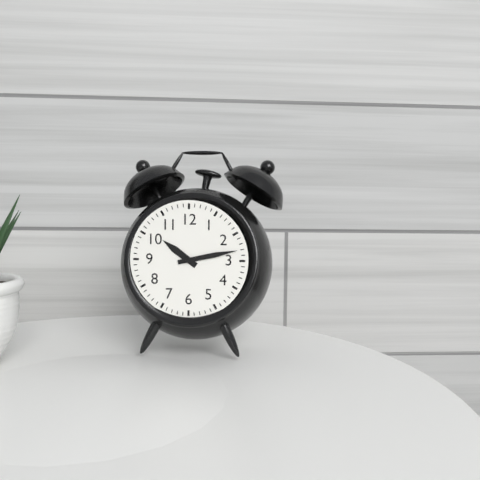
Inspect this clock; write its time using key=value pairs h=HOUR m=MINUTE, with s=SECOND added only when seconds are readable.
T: h=10 m=13
